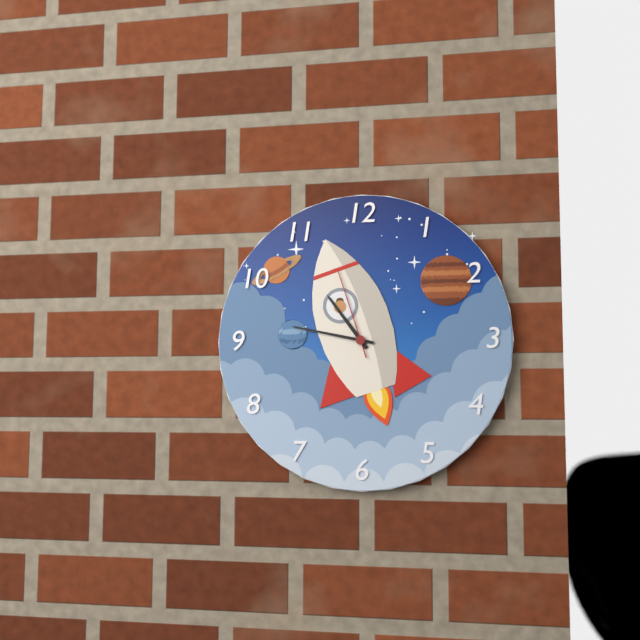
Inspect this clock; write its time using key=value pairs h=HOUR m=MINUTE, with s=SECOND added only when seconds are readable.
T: h=10 m=47 s=57
